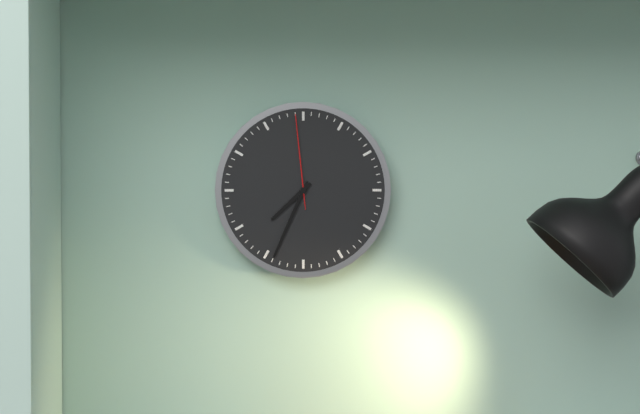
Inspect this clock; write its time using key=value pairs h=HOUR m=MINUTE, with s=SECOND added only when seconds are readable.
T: h=7 m=34 s=59
